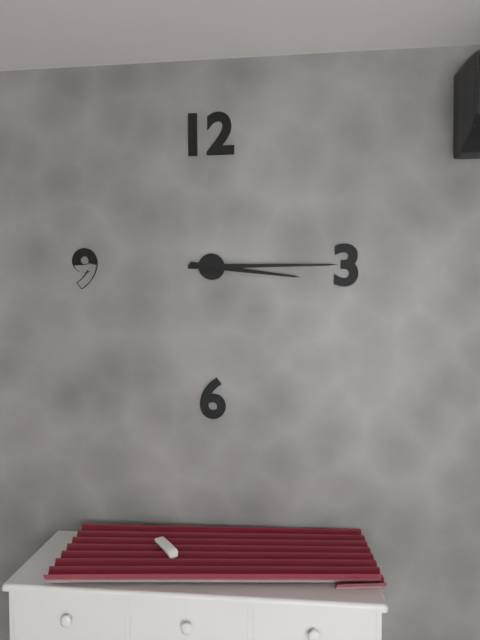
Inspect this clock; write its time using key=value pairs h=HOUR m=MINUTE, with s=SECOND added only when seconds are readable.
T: h=3 m=15
